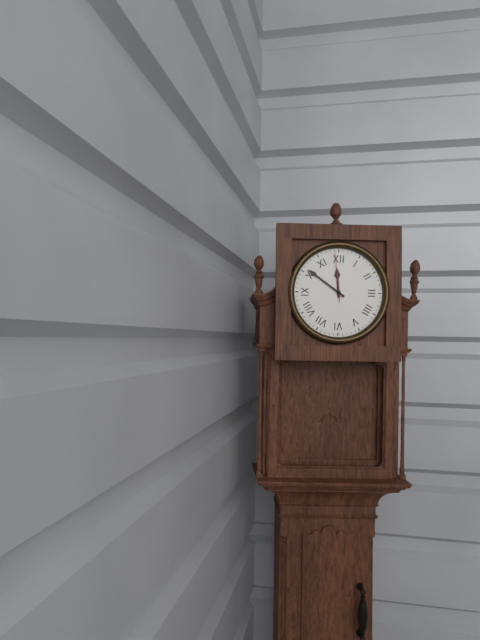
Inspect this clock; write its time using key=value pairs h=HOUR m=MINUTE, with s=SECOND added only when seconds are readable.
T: h=11 m=51 s=59
